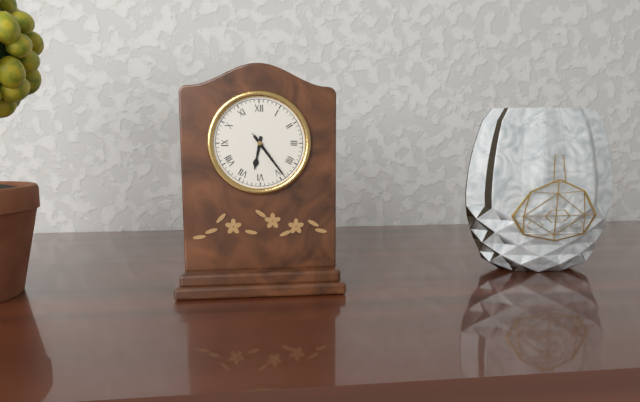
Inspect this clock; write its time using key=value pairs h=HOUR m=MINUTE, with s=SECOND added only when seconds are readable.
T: h=6 m=24 s=24
